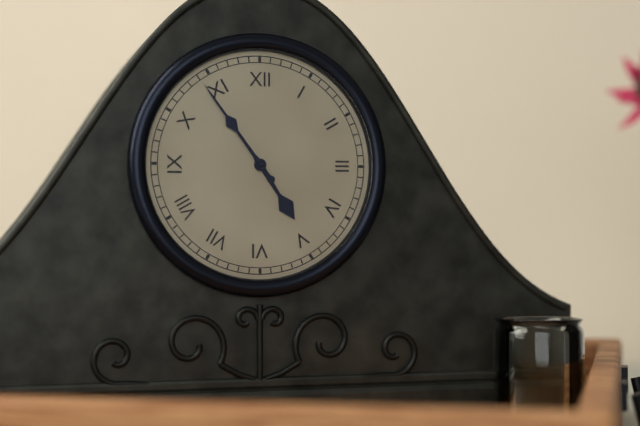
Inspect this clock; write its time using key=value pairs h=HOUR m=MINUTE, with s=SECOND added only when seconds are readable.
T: h=4 m=54
